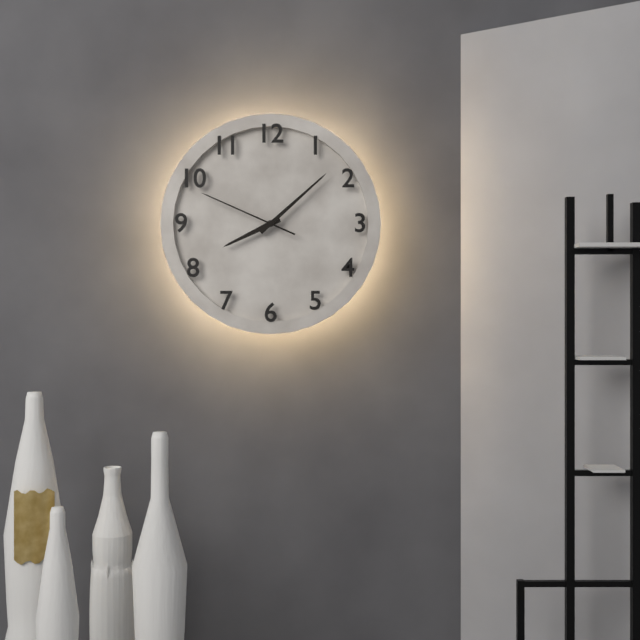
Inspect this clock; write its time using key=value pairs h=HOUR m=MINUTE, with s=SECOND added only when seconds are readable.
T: h=8 m=8 s=49
